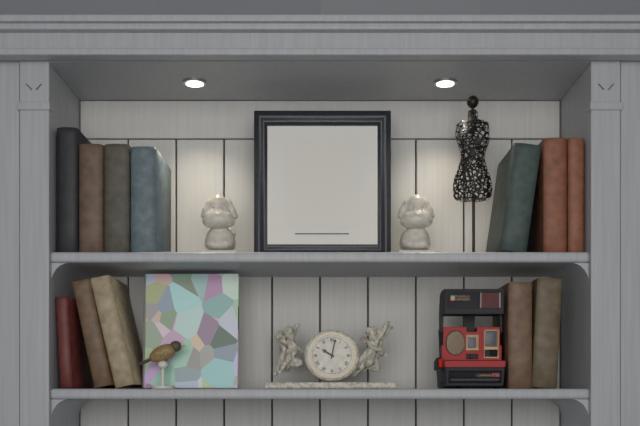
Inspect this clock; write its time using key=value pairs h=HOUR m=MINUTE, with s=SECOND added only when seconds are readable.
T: h=10 m=2
